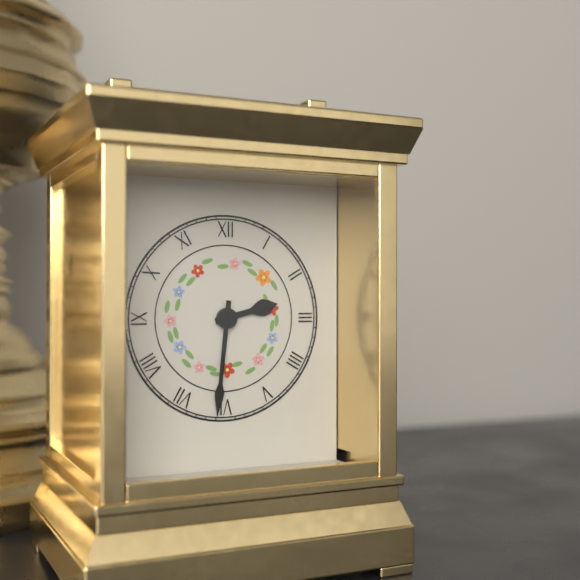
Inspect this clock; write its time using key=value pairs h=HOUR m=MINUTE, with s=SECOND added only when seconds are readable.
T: h=2 m=31
